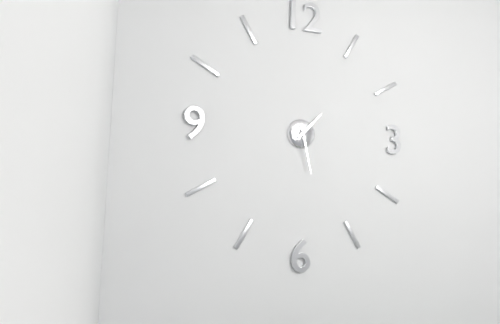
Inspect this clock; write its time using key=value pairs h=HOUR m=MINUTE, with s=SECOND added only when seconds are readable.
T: h=1 m=28
